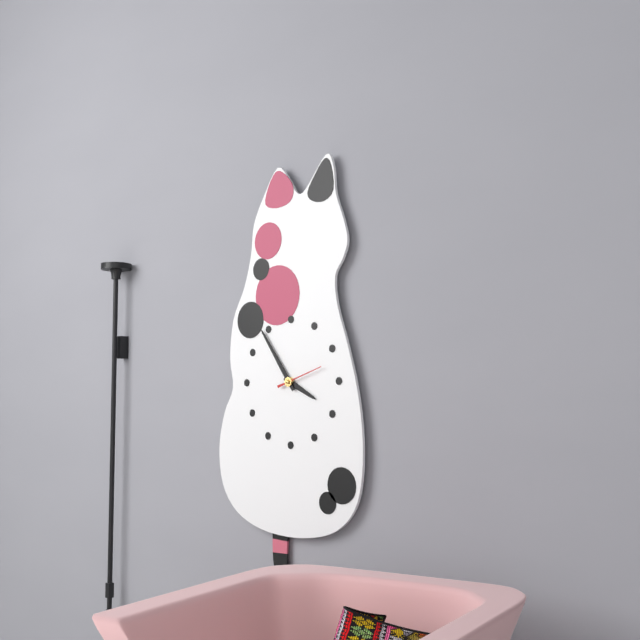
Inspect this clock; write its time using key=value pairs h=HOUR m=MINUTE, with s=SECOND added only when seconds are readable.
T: h=3 m=54
